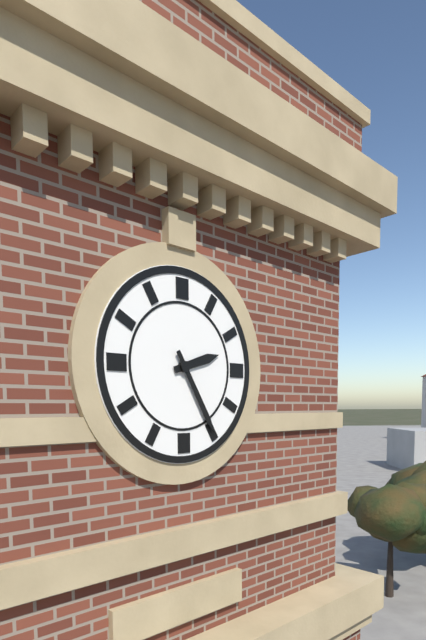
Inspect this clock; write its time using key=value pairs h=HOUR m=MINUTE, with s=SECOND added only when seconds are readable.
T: h=2 m=25
